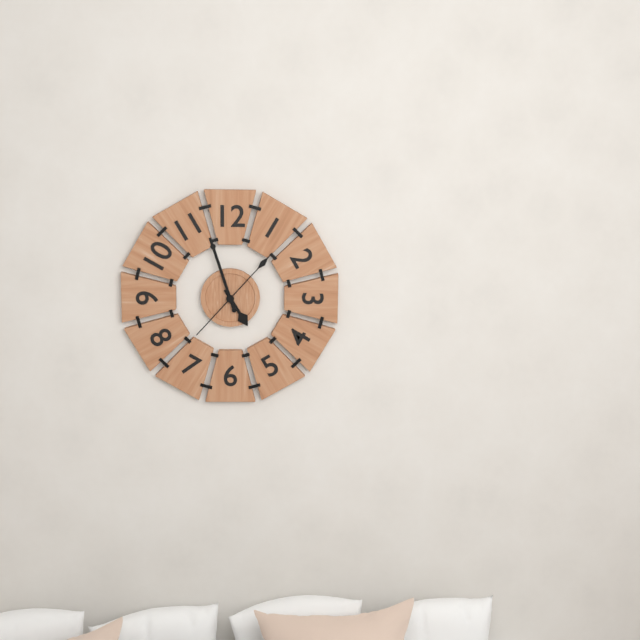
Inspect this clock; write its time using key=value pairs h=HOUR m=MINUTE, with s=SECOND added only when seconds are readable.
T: h=4 m=57 s=7
